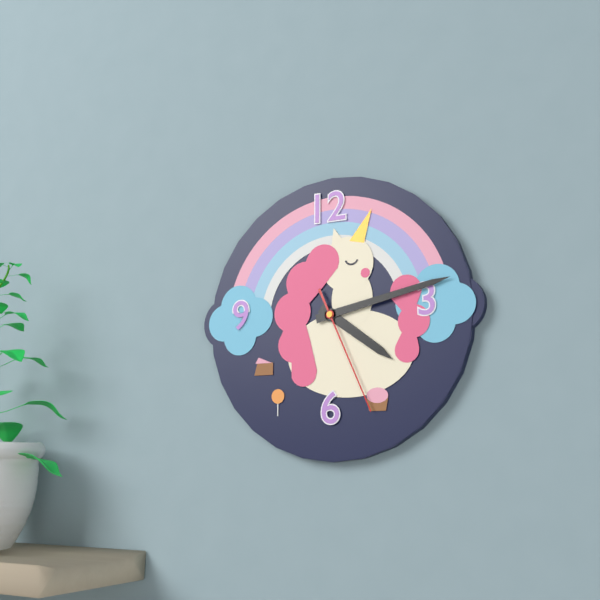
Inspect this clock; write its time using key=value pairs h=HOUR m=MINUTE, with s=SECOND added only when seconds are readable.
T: h=4 m=13 s=26
